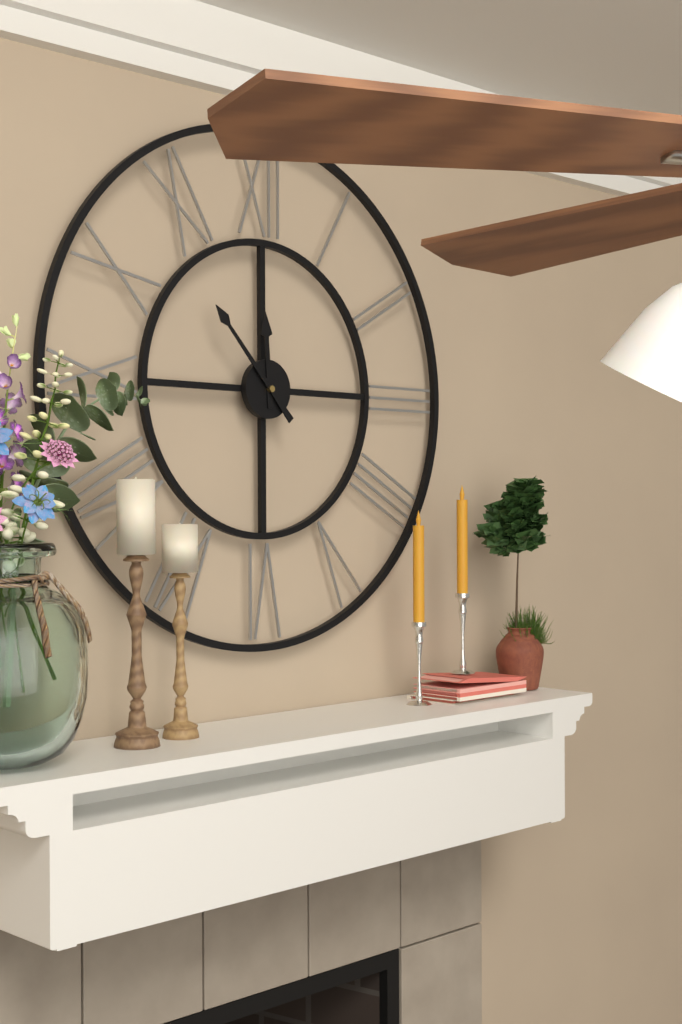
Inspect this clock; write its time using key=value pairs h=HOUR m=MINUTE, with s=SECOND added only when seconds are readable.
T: h=11 m=53
